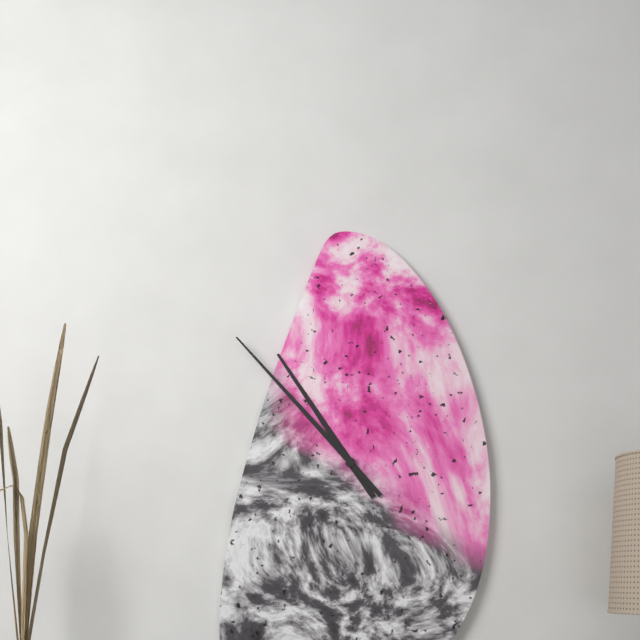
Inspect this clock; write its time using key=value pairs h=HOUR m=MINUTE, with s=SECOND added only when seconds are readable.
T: h=10 m=53
